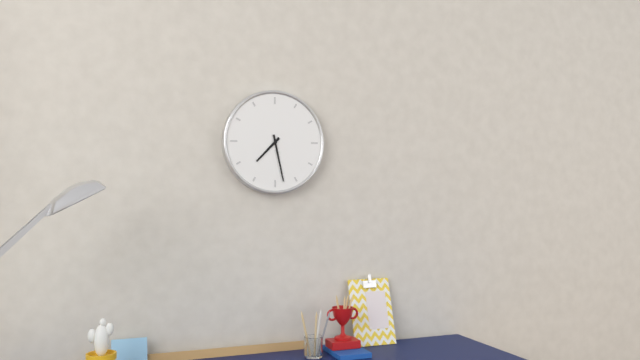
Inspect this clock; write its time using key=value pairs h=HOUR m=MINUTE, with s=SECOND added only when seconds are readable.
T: h=7 m=28
